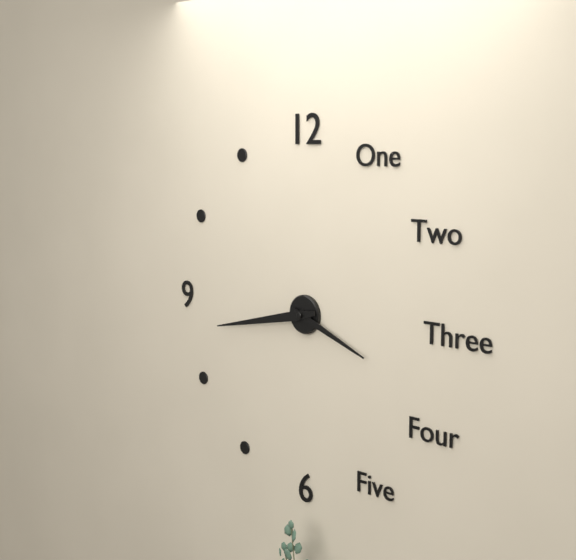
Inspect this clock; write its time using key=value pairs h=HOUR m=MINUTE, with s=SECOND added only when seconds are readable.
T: h=3 m=43
